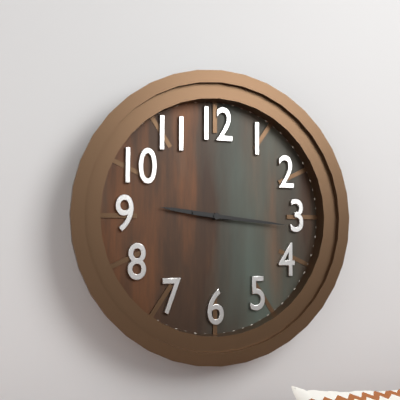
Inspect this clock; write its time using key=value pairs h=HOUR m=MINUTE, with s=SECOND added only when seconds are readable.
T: h=9 m=16
